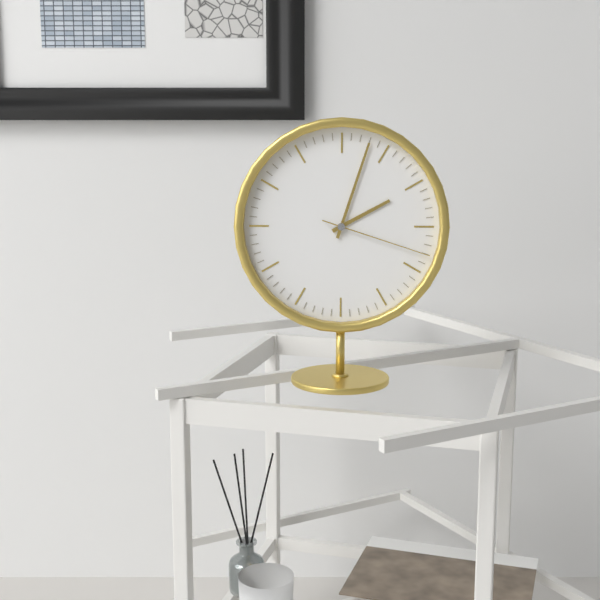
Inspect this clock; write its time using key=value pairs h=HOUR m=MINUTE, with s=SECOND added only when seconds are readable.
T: h=2 m=3 s=18
